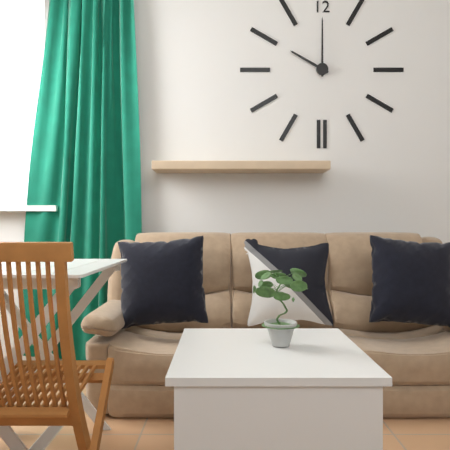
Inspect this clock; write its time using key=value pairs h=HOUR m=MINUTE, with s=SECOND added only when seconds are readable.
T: h=10 m=0
